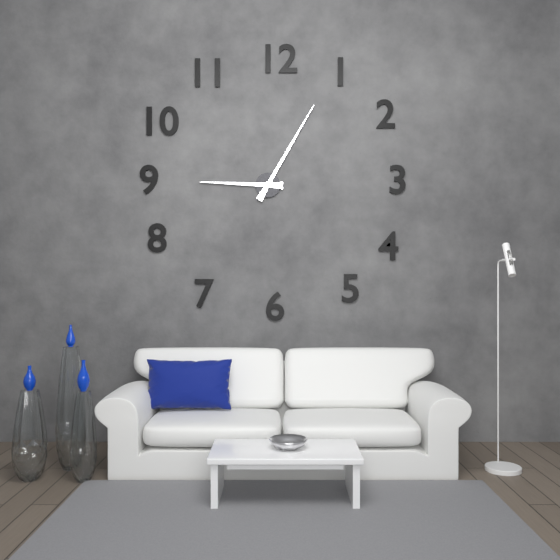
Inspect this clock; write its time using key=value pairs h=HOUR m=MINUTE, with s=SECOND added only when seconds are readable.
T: h=9 m=5
